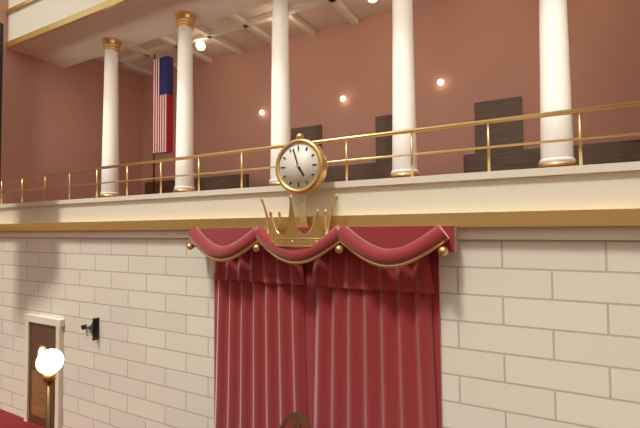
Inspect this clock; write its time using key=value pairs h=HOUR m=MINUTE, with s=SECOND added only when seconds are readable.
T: h=4 m=57
